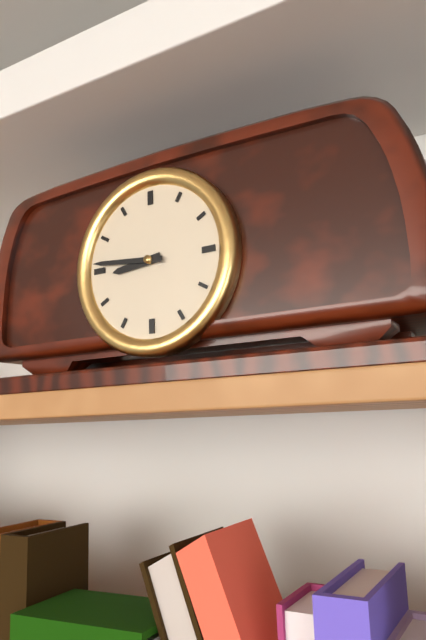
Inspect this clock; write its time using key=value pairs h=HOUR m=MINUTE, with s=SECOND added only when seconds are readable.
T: h=8 m=46
